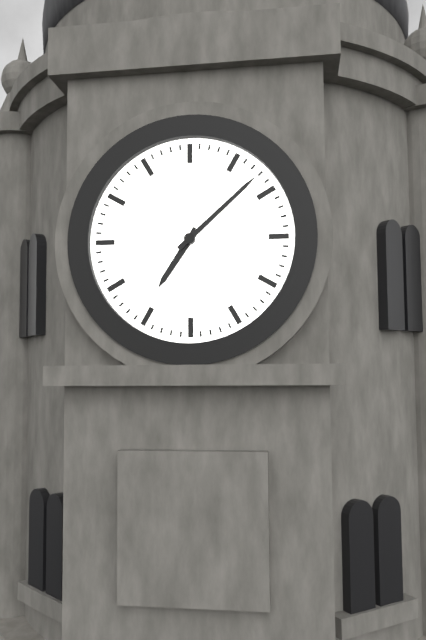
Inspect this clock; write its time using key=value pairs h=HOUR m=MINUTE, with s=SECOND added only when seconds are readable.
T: h=7 m=8
